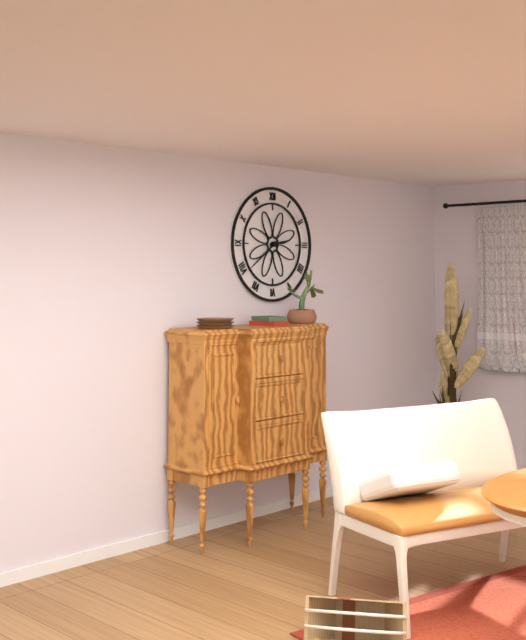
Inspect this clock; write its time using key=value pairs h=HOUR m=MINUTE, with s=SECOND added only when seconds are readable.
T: h=2 m=39
